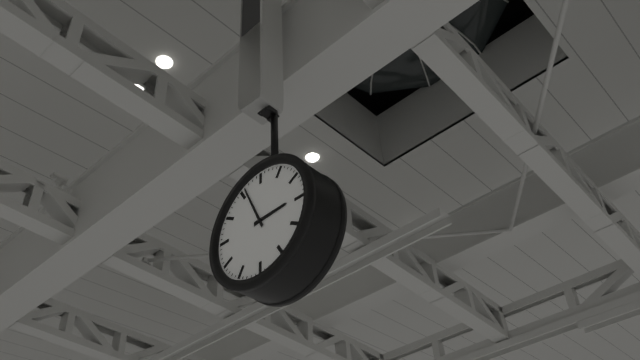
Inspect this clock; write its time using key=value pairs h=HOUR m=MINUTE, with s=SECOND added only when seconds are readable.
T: h=2 m=56
